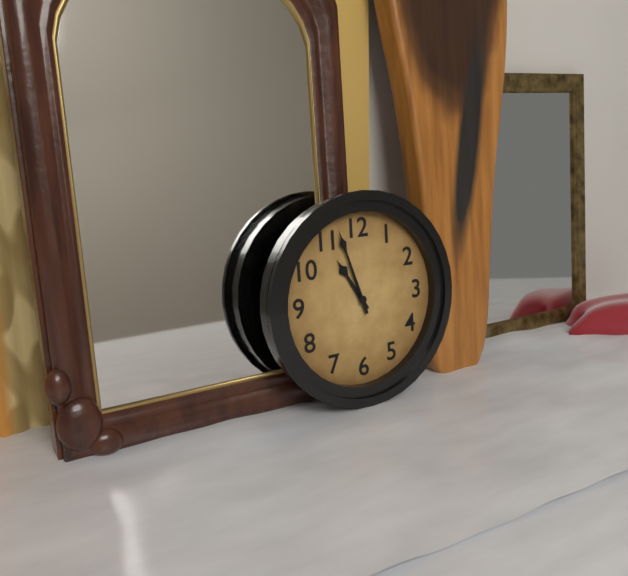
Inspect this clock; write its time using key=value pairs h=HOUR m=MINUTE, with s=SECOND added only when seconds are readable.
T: h=10 m=57
